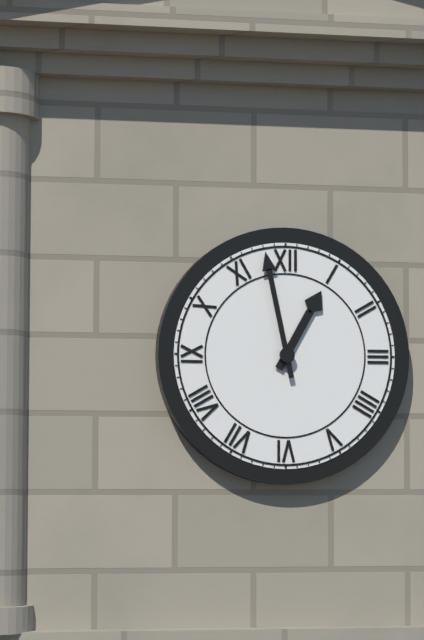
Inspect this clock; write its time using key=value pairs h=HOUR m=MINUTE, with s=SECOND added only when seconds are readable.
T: h=12 m=58
